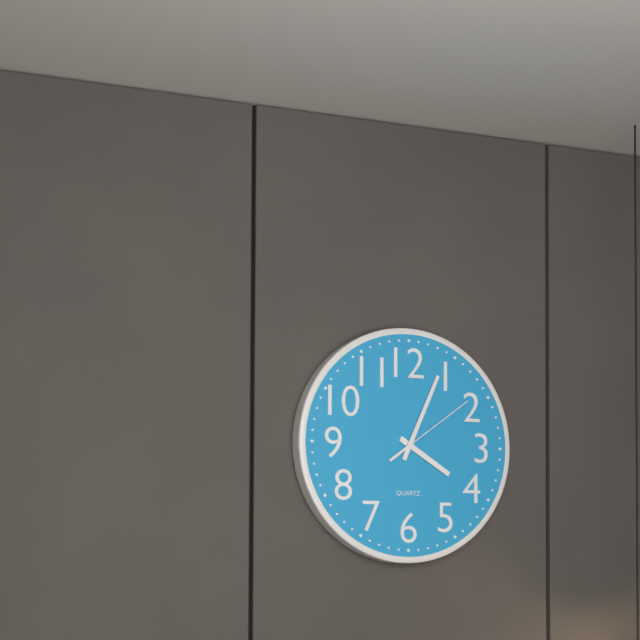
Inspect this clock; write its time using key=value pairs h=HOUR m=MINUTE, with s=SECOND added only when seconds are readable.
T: h=4 m=4 s=9
